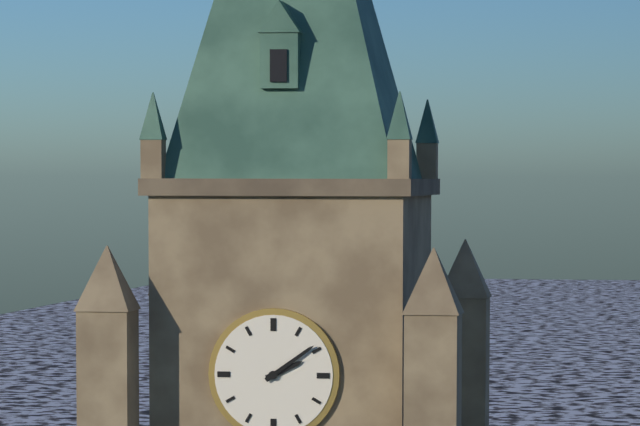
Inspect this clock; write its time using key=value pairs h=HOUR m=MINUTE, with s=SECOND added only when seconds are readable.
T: h=2 m=9
